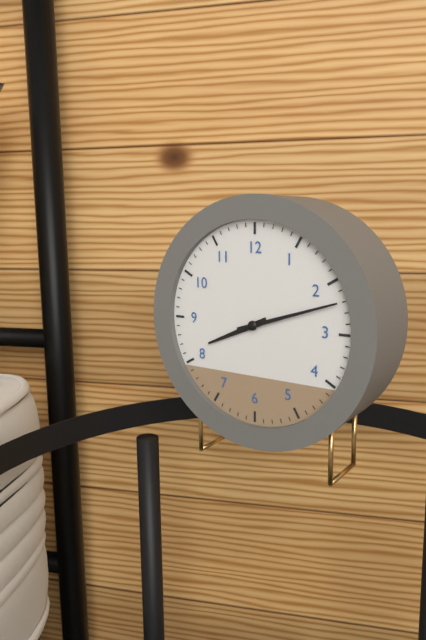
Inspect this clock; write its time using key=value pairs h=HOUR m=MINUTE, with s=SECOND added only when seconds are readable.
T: h=8 m=12
